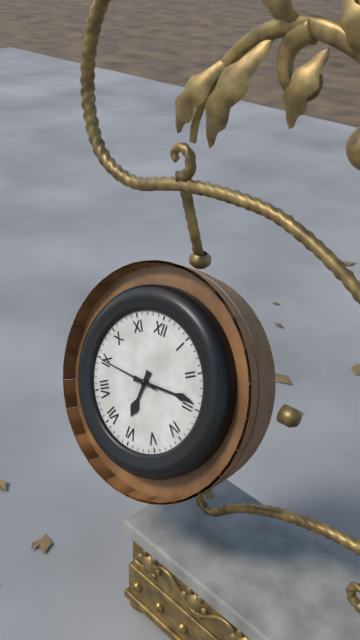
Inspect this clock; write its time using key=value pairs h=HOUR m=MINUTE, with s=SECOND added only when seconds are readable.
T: h=6 m=14 s=45
